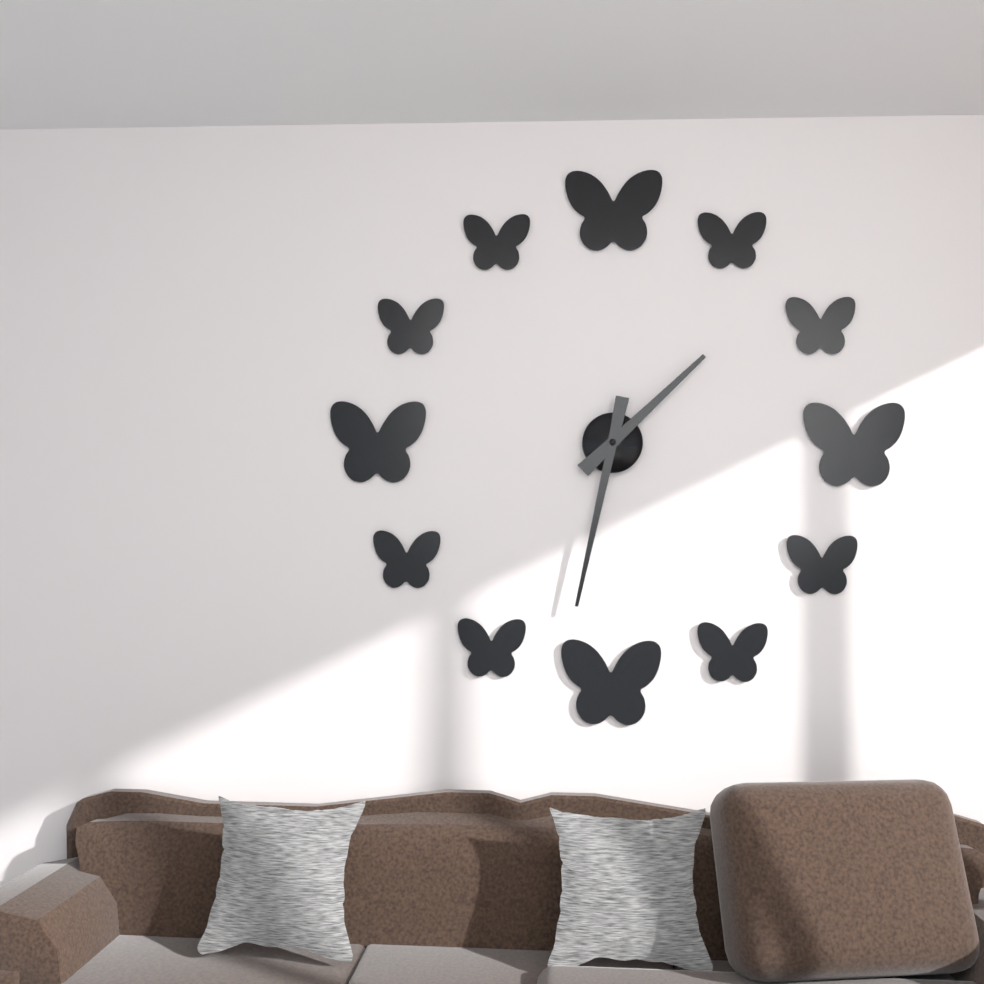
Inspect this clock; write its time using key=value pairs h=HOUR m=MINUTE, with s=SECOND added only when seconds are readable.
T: h=1 m=32
